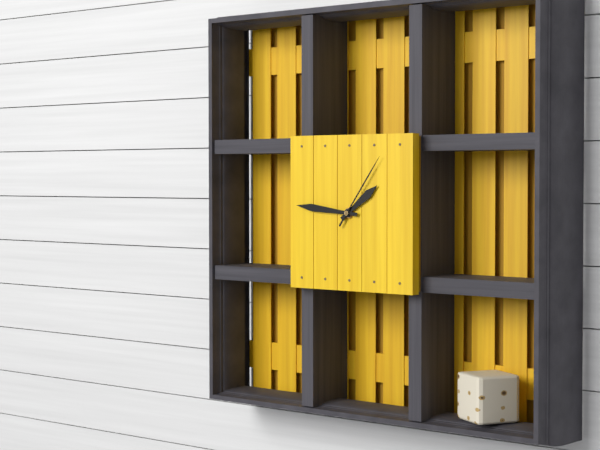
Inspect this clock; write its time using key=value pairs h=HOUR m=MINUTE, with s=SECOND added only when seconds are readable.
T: h=1 m=46 s=6
